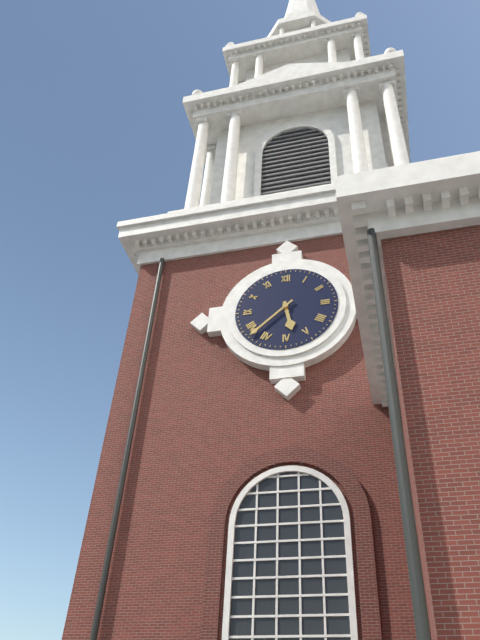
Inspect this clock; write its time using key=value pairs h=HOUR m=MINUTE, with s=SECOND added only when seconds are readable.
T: h=5 m=38
